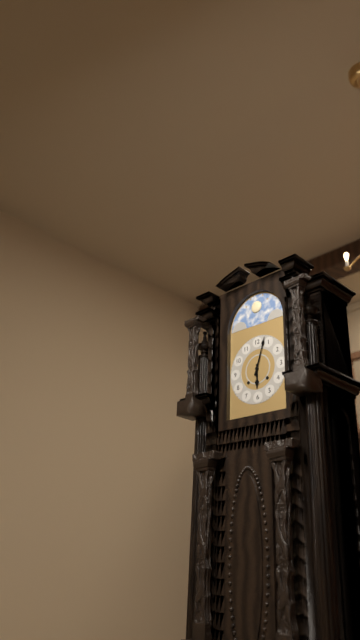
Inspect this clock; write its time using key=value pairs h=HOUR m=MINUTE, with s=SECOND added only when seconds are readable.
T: h=6 m=3
